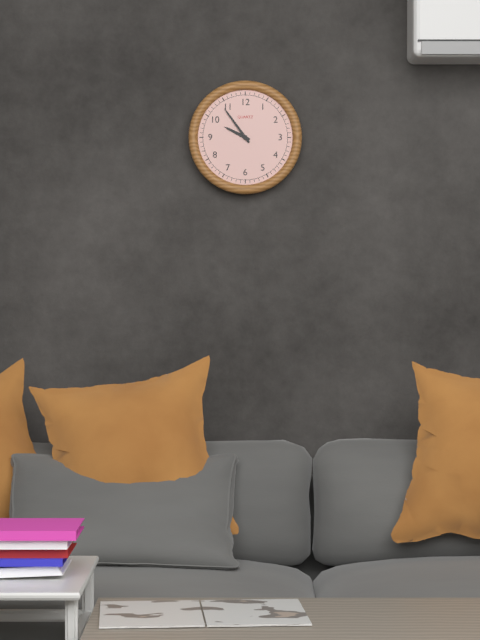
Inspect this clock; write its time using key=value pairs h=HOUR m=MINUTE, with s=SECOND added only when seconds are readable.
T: h=9 m=54
